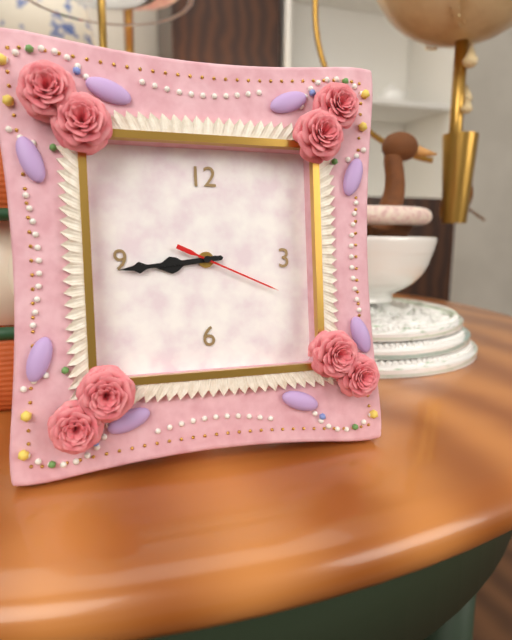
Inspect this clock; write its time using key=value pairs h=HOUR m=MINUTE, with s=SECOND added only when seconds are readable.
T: h=8 m=44 s=19
